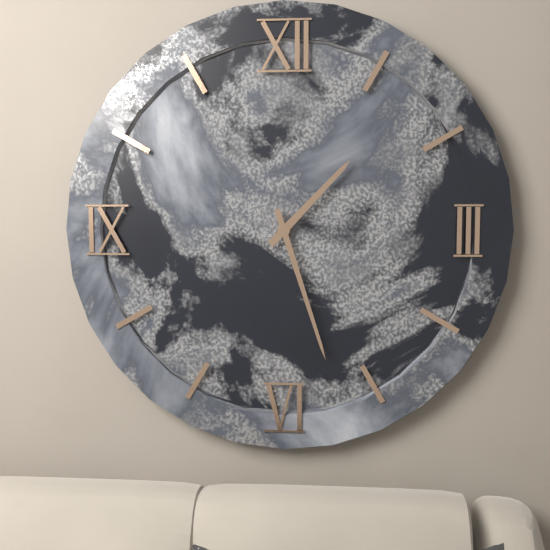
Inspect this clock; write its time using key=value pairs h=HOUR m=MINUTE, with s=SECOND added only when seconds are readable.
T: h=1 m=27
